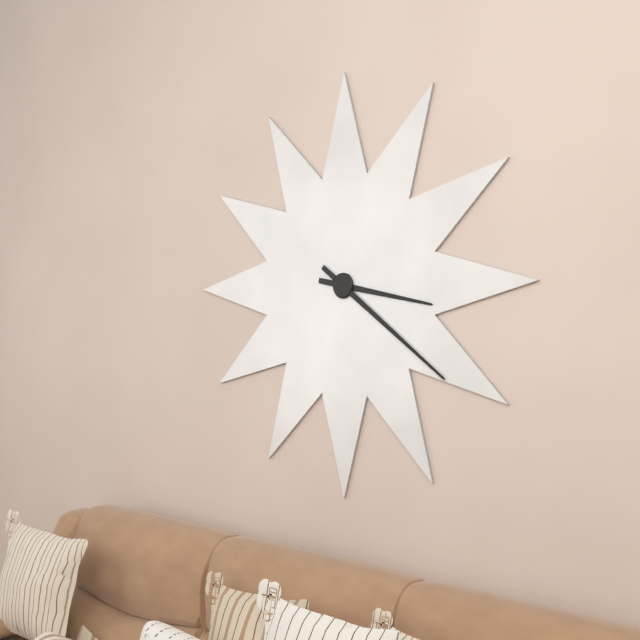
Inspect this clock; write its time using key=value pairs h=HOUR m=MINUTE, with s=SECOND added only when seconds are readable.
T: h=3 m=21
